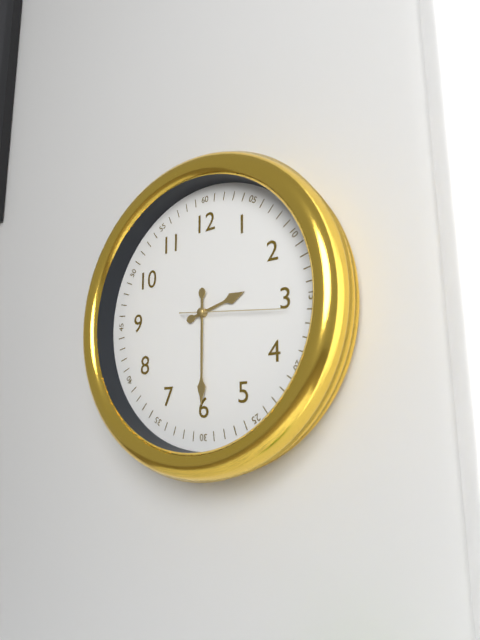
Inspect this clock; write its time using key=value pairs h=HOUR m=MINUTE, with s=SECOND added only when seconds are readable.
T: h=2 m=30 s=16
